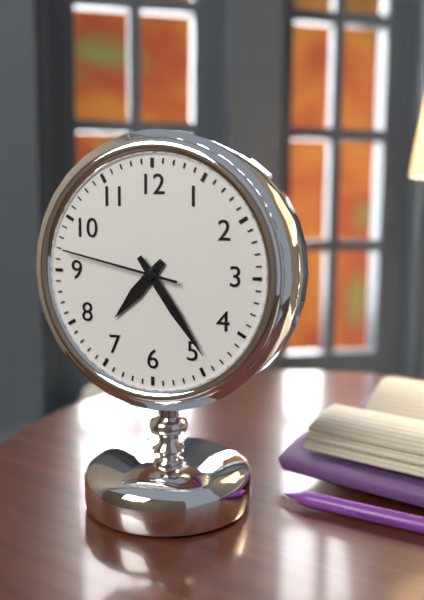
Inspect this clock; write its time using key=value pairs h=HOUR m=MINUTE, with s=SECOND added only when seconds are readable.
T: h=7 m=24 s=47
